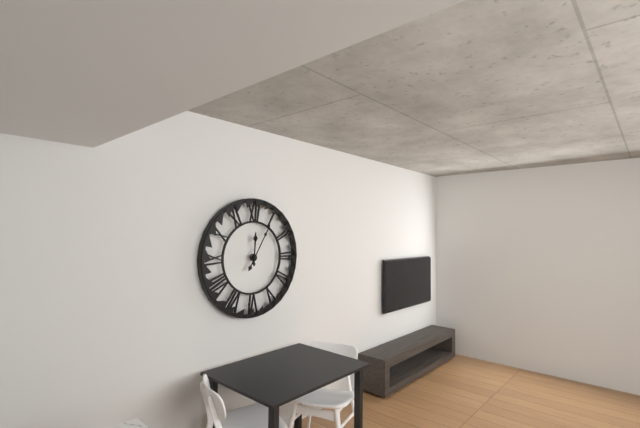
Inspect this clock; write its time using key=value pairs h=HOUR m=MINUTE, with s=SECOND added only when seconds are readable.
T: h=12 m=5
